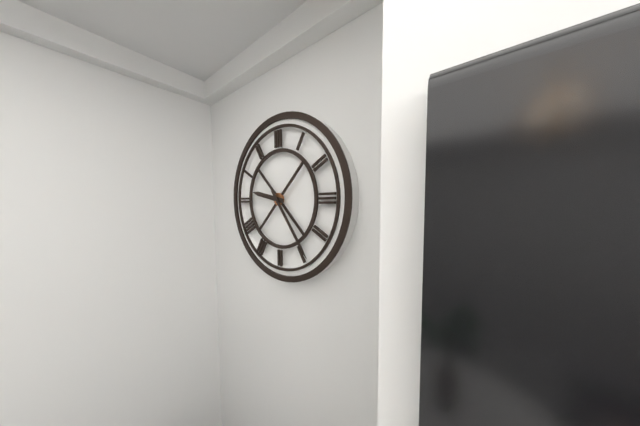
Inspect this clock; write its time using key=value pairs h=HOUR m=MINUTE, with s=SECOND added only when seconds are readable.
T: h=9 m=24
